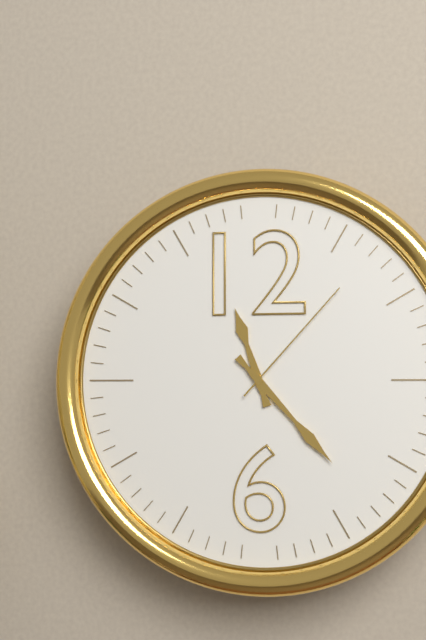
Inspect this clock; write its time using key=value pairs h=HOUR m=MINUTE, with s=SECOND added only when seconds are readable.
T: h=11 m=23 s=7
